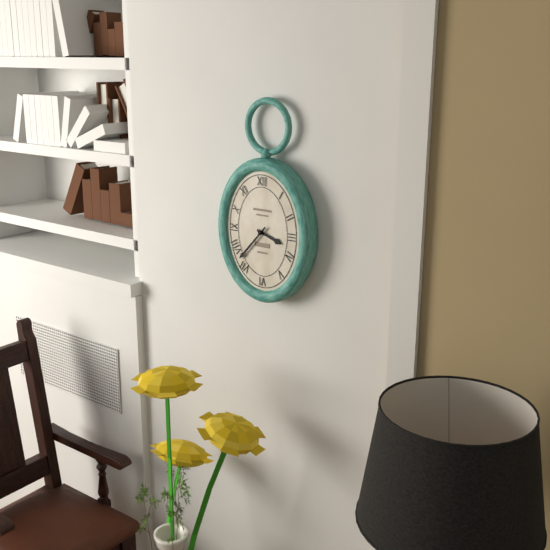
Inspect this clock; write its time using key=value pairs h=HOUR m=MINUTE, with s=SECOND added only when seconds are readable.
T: h=3 m=37
